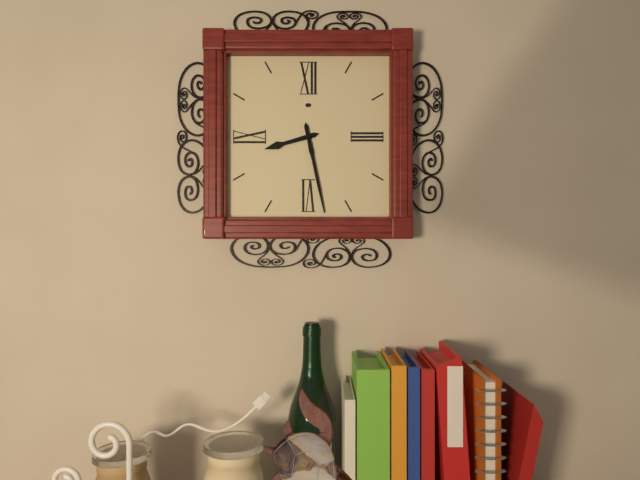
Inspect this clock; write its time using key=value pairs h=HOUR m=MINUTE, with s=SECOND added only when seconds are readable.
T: h=8 m=28
